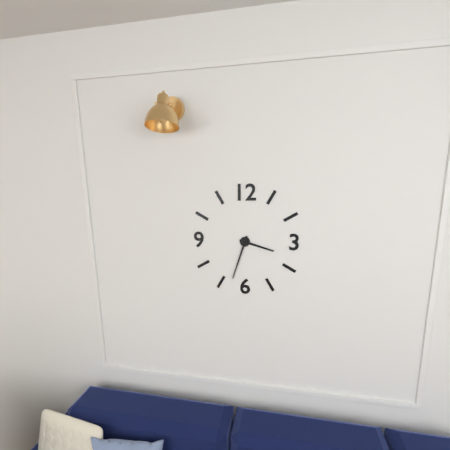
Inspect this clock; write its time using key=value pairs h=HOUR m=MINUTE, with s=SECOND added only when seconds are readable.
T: h=3 m=33
